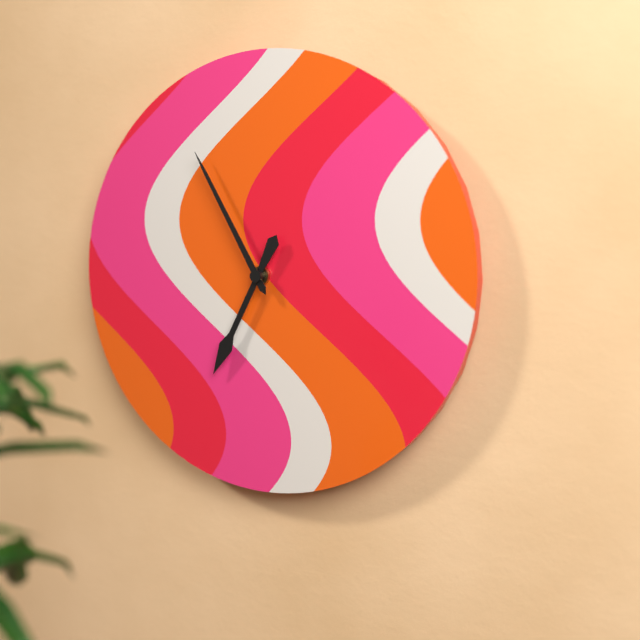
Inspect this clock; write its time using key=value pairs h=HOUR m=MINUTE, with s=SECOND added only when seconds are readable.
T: h=6 m=55
